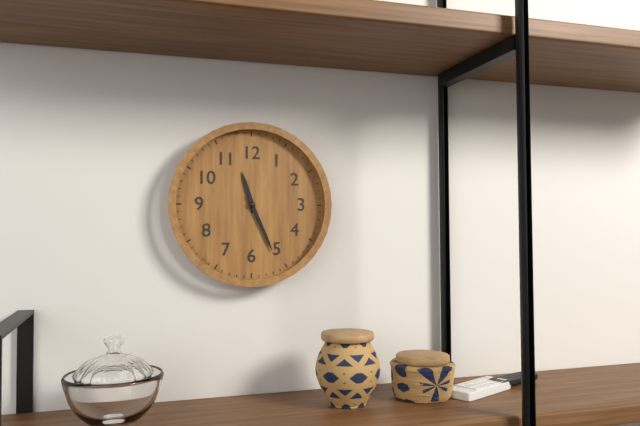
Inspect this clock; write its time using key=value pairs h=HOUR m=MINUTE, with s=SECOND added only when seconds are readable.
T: h=11 m=26
